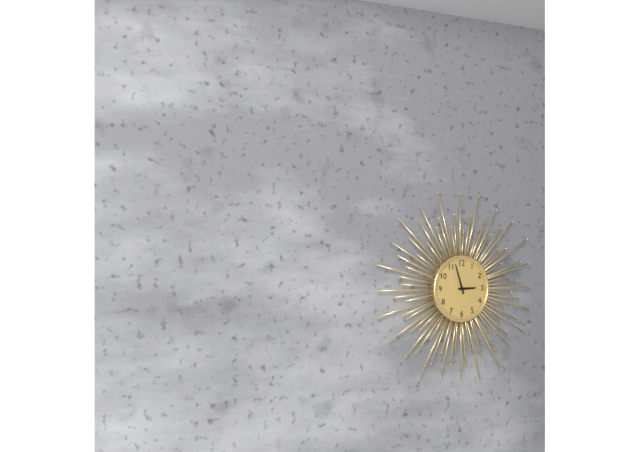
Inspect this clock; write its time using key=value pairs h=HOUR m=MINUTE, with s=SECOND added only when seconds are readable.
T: h=2 m=57
